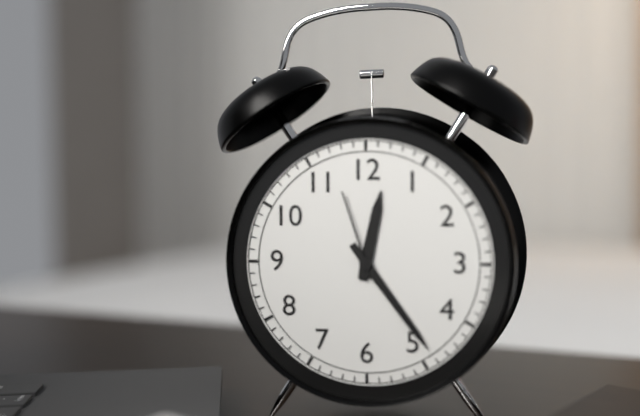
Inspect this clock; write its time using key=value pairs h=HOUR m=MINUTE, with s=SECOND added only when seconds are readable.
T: h=12 m=24 s=57
